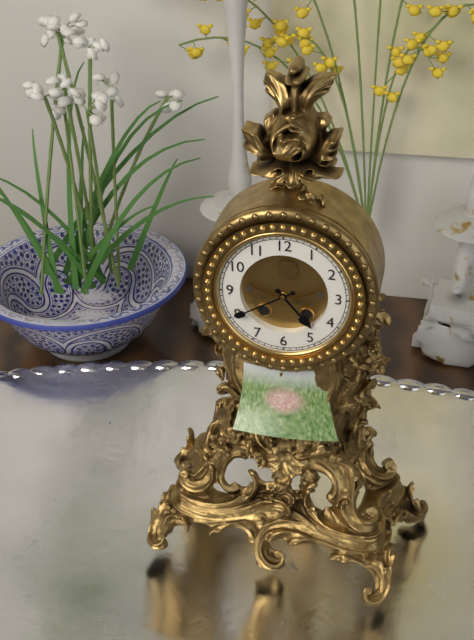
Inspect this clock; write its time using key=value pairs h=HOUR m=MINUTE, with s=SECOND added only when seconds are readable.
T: h=4 m=40
